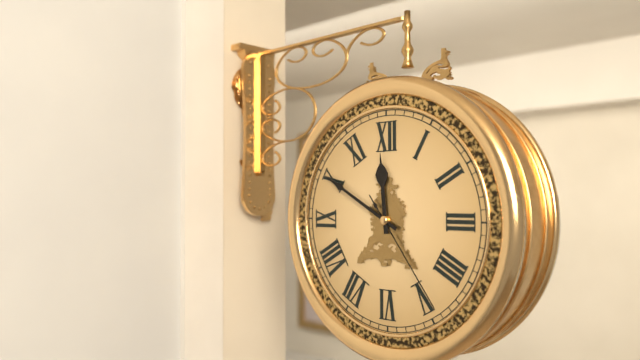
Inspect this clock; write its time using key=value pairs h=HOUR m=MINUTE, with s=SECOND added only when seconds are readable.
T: h=11 m=50 s=24
